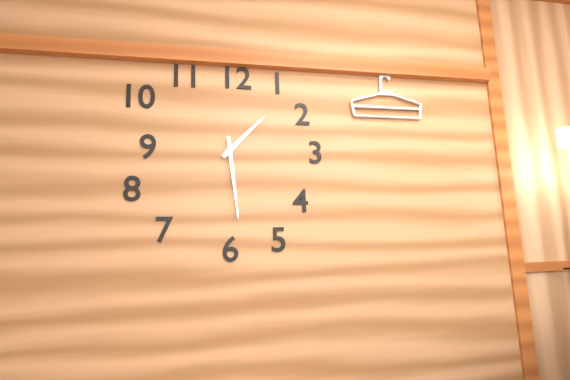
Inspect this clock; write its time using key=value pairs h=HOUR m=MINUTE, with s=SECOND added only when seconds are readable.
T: h=1 m=29
